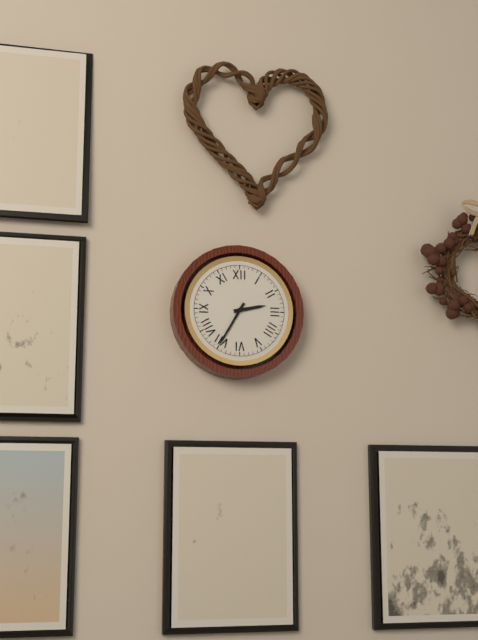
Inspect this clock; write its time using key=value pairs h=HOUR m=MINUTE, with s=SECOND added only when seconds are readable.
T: h=2 m=35
